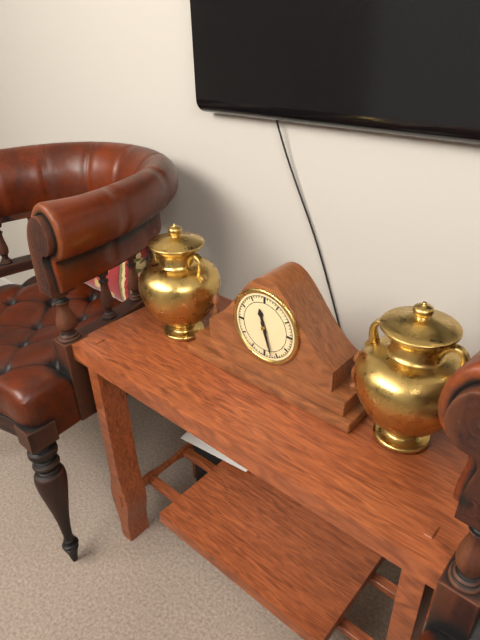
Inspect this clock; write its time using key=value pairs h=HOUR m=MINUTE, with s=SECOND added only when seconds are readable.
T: h=11 m=27
